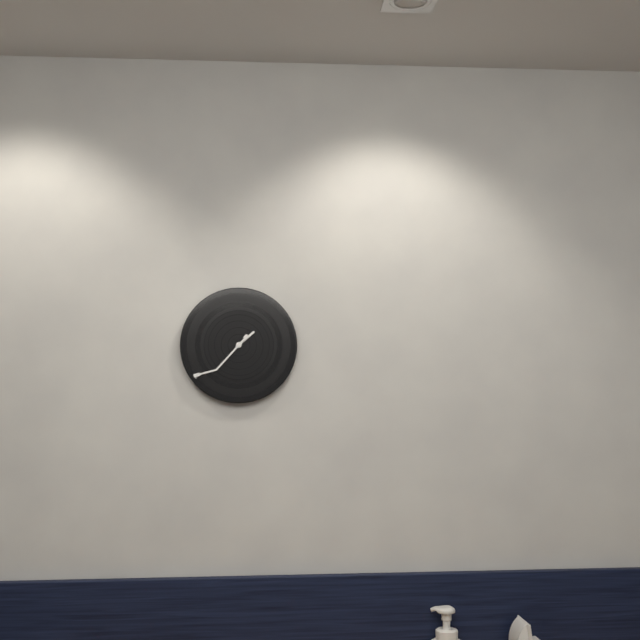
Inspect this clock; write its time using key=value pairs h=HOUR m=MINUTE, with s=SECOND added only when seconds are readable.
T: h=1 m=37
